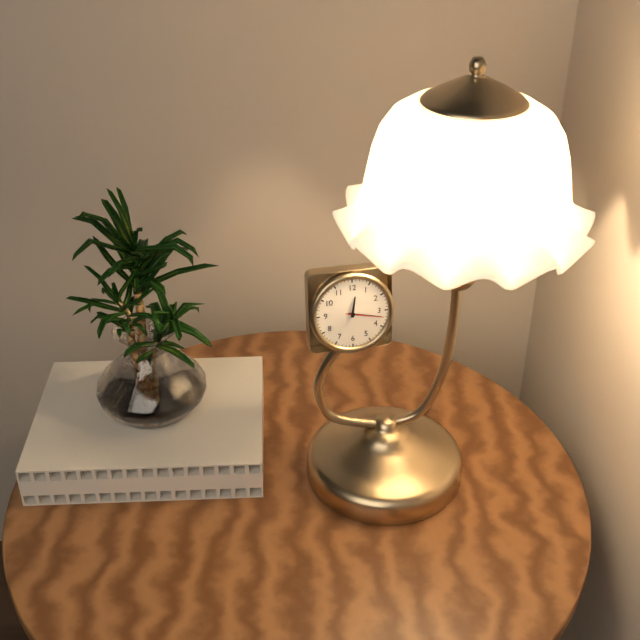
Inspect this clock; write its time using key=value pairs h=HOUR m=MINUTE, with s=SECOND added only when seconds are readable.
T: h=12 m=17
